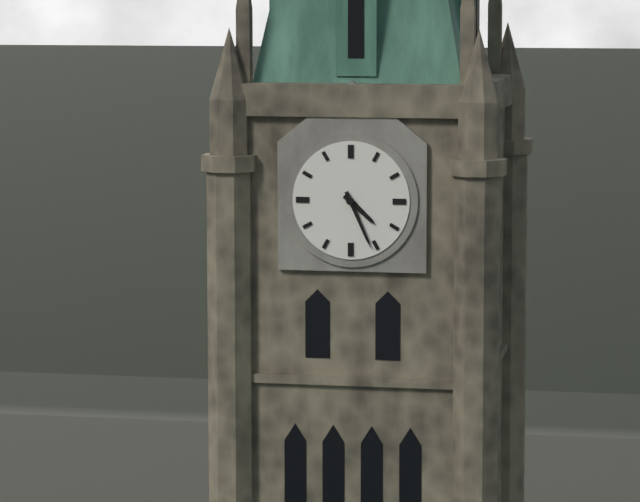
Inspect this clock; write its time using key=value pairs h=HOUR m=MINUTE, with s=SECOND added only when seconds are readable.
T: h=4 m=26
